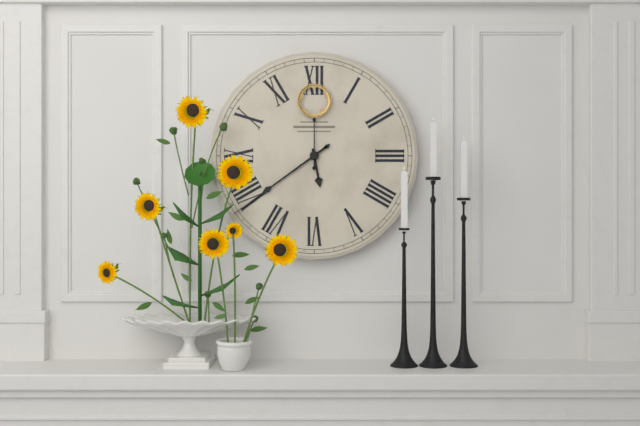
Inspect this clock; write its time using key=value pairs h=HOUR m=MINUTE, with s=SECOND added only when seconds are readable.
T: h=5 m=39 s=0
